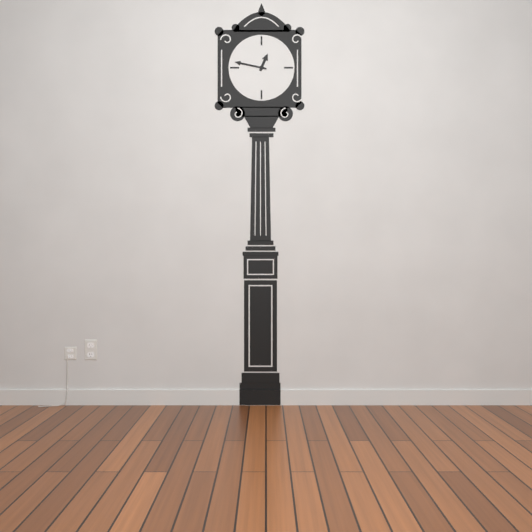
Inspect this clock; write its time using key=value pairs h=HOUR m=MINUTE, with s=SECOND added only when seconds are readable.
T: h=12 m=47
